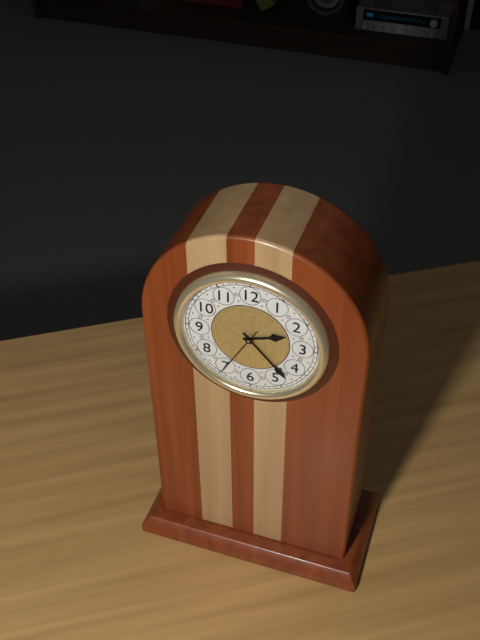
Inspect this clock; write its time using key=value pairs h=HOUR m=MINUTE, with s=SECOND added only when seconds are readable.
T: h=2 m=23 s=35
